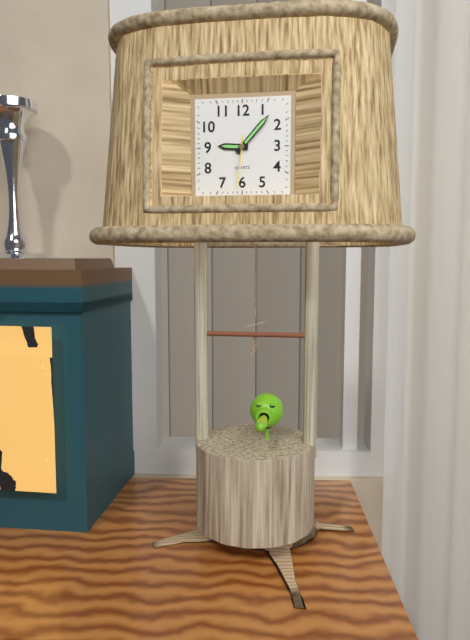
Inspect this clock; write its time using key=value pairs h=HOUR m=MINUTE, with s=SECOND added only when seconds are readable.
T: h=9 m=7 s=31
